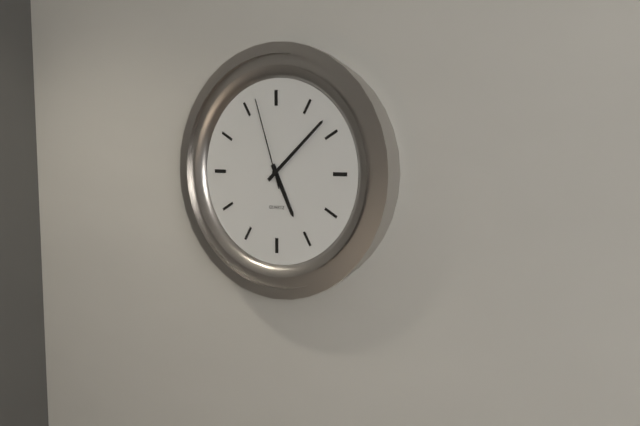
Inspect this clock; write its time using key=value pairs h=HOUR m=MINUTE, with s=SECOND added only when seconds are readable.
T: h=5 m=8 s=57
